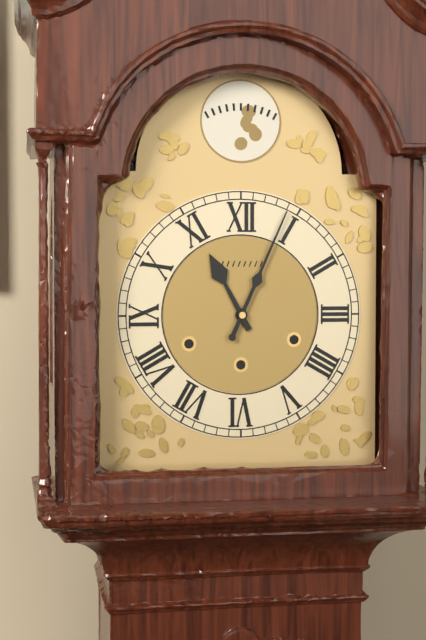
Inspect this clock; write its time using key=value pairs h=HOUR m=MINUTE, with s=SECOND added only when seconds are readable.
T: h=11 m=4
